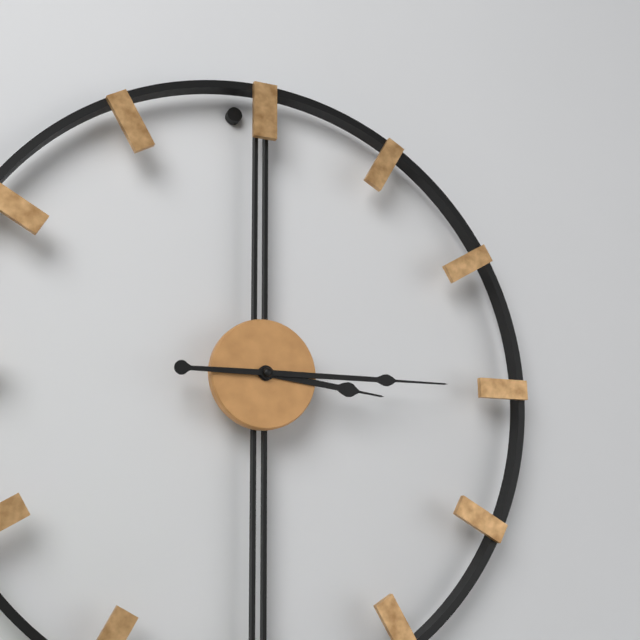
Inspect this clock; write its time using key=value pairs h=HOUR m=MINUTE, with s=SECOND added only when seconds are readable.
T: h=3 m=15
